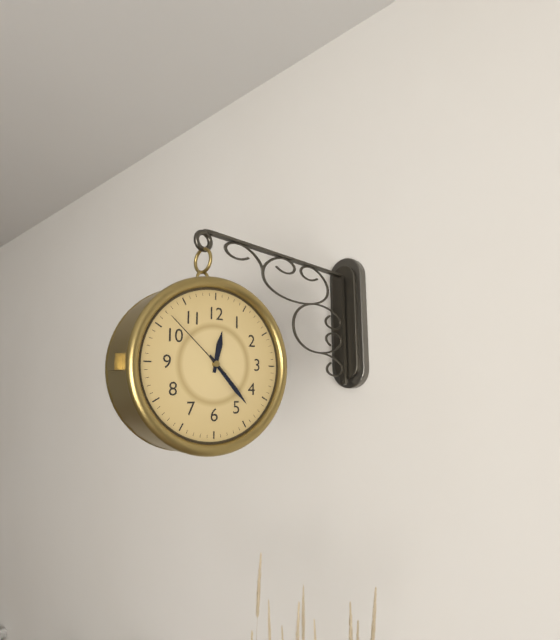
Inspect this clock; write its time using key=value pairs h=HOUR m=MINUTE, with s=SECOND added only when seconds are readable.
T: h=12 m=23 s=52
